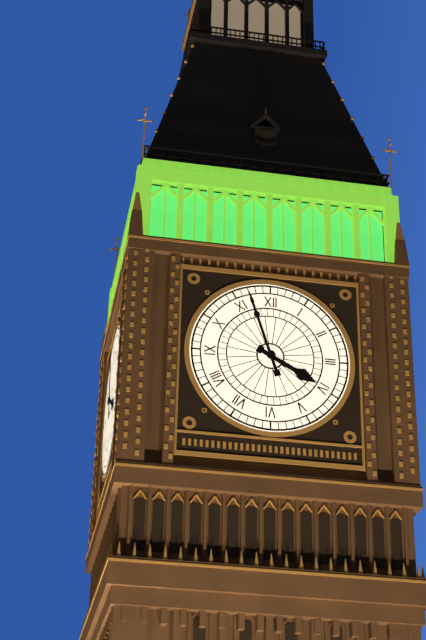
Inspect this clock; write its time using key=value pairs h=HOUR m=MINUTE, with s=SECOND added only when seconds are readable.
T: h=3 m=57
